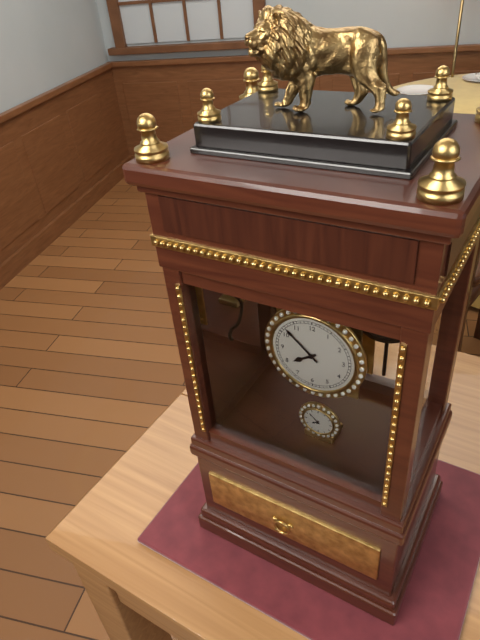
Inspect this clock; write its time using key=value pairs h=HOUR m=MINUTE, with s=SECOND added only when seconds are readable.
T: h=7 m=52
